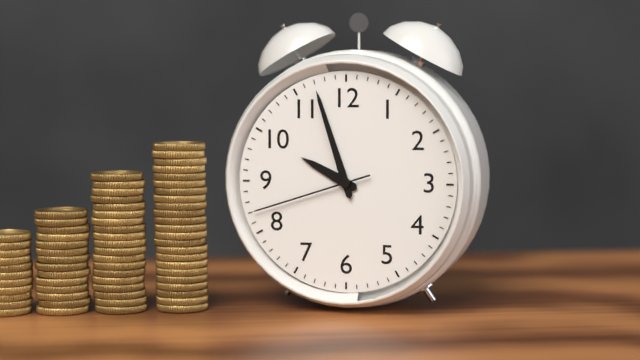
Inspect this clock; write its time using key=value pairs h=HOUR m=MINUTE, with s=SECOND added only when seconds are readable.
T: h=9 m=57 s=42
